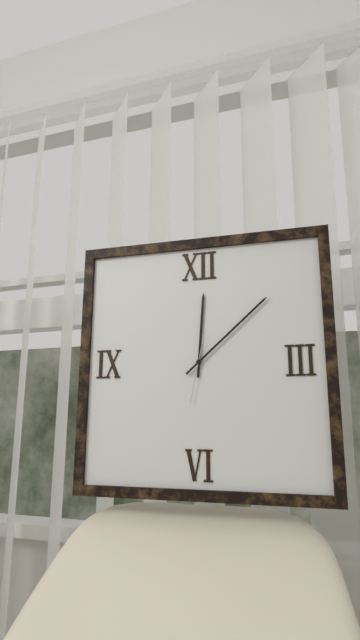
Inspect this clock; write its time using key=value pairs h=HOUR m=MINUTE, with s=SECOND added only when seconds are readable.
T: h=12 m=8 s=32
